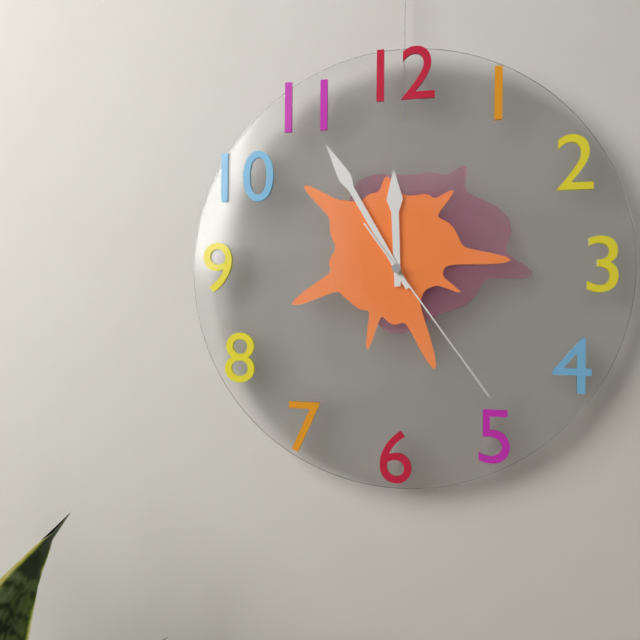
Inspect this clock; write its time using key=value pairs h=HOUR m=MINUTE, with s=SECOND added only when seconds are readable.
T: h=11 m=55 s=24
